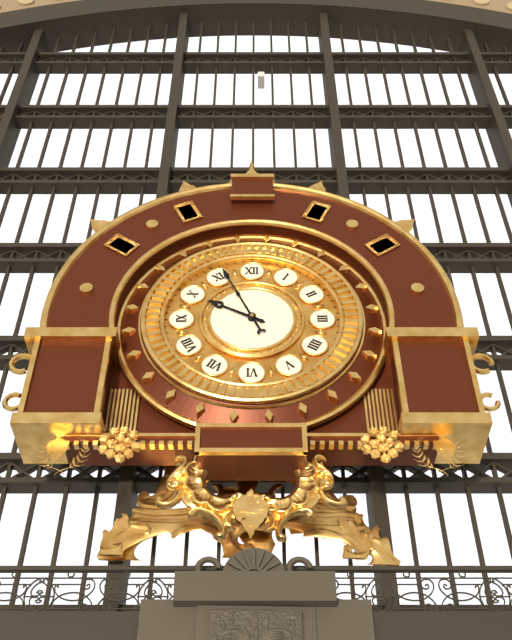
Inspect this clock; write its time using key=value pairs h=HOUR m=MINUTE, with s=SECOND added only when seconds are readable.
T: h=9 m=56
